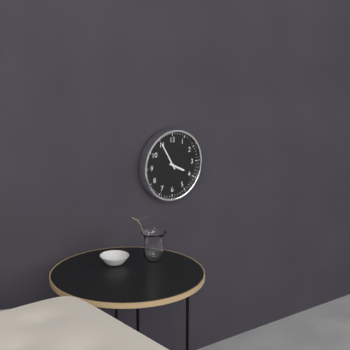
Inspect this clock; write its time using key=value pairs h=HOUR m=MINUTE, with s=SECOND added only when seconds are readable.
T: h=3 m=55
